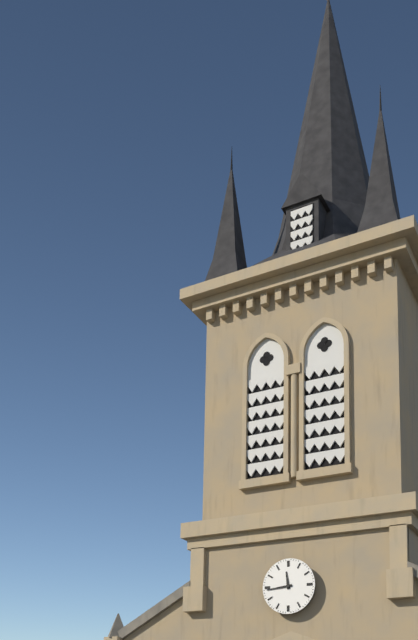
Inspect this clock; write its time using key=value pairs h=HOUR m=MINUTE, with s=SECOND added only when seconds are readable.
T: h=11 m=44
